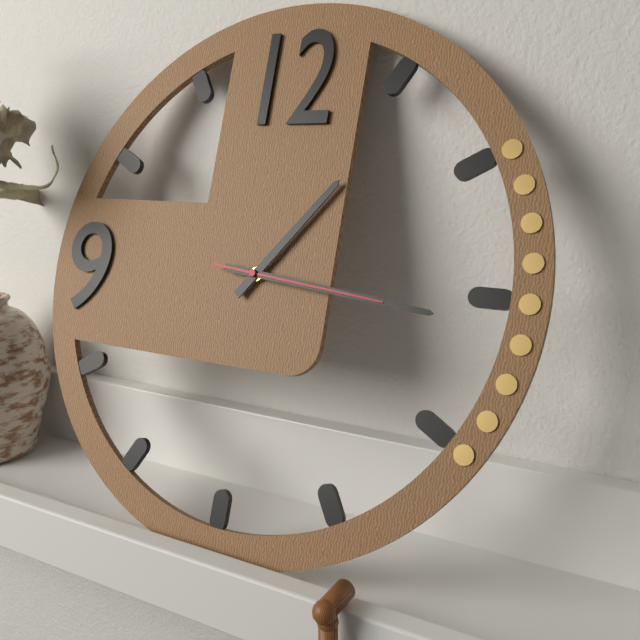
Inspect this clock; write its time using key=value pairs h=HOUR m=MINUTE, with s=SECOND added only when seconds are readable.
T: h=1 m=16 s=16
